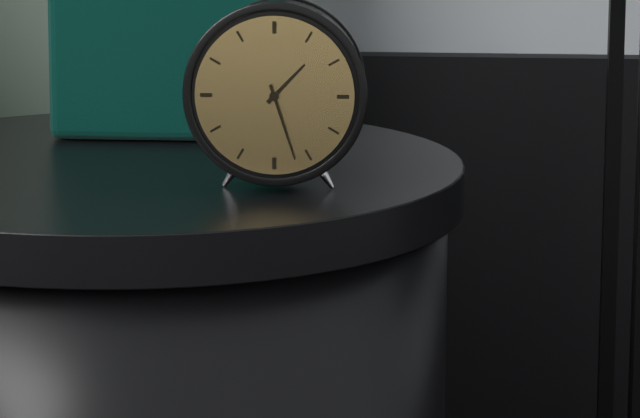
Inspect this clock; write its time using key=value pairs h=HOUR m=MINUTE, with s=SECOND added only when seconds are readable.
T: h=1 m=27
